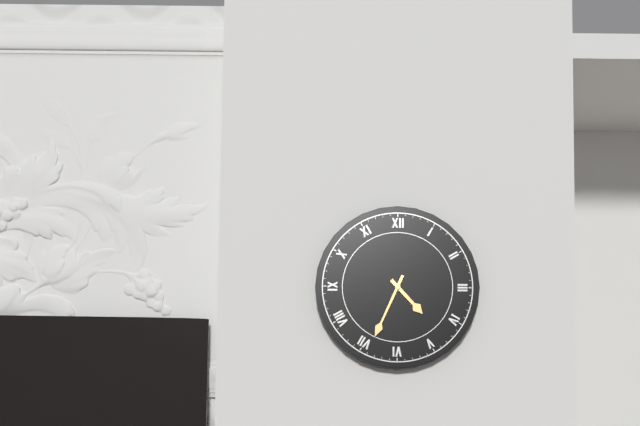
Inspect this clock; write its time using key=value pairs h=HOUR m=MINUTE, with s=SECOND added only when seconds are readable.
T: h=4 m=34
